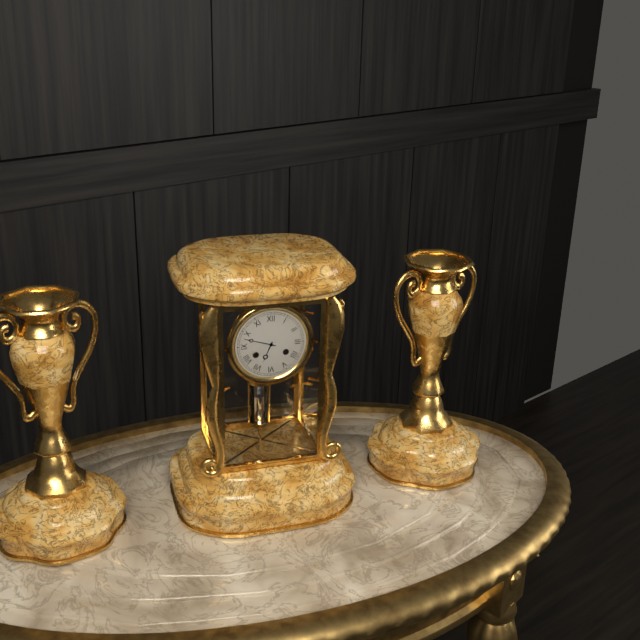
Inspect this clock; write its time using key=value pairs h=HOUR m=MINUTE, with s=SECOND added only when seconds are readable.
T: h=6 m=48
